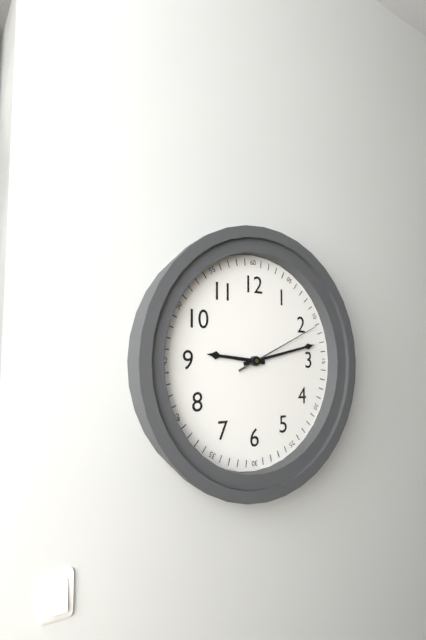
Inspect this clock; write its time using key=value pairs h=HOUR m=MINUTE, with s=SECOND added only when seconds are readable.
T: h=9 m=13 s=11
